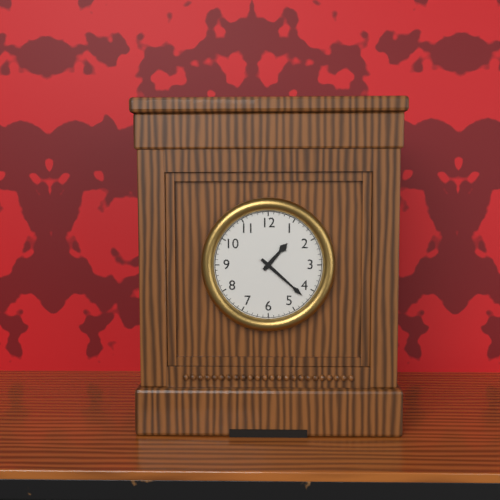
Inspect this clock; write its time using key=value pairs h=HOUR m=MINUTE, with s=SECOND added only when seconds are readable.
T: h=1 m=22
